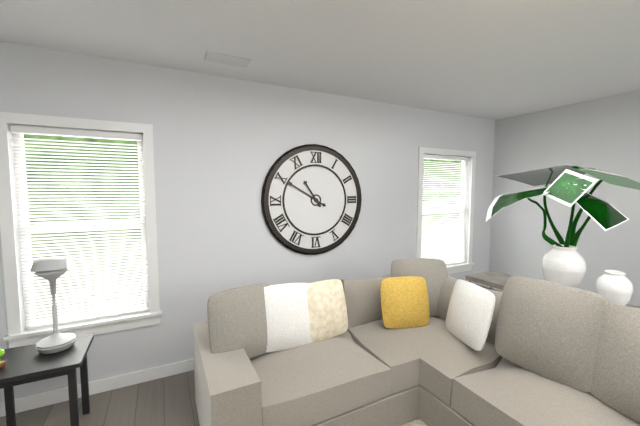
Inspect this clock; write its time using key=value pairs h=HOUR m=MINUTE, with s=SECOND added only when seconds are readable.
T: h=10 m=50
